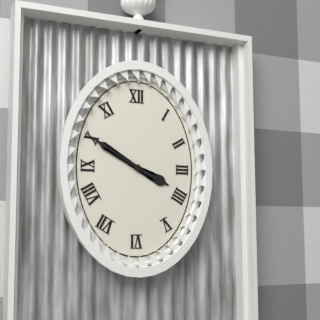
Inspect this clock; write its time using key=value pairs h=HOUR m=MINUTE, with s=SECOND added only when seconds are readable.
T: h=3 m=50
